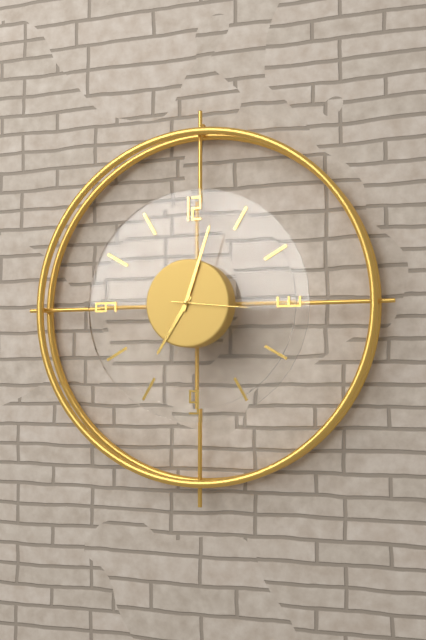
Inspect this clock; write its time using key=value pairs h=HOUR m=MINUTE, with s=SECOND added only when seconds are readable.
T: h=7 m=3 s=16
